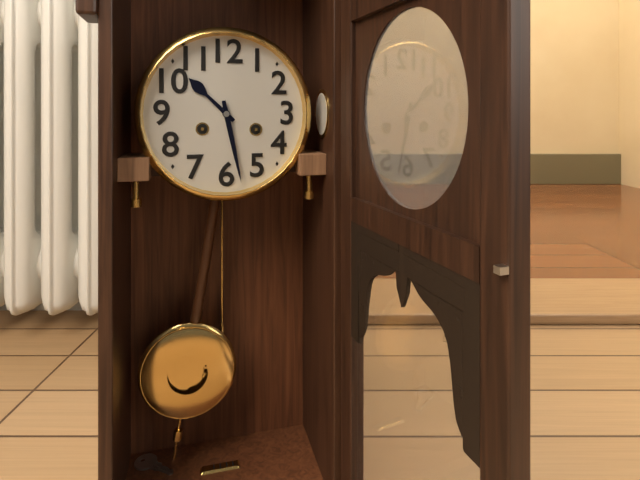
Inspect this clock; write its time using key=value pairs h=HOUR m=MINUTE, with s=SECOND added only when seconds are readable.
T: h=10 m=28
